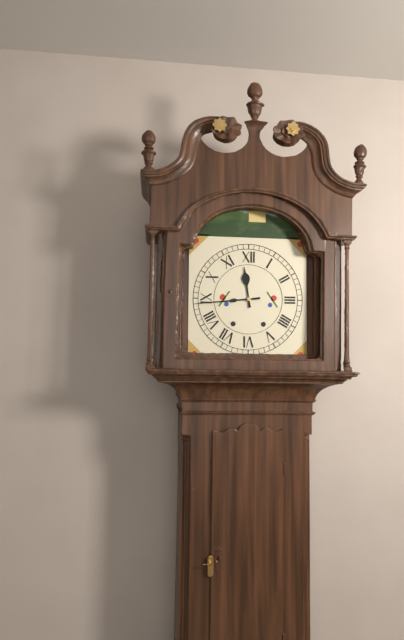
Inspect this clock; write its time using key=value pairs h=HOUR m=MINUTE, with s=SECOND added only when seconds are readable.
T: h=11 m=44
